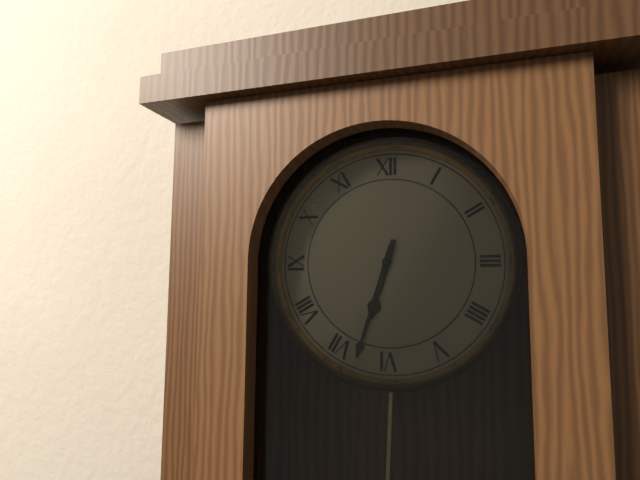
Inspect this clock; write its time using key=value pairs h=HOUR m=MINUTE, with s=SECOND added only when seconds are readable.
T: h=6 m=33
